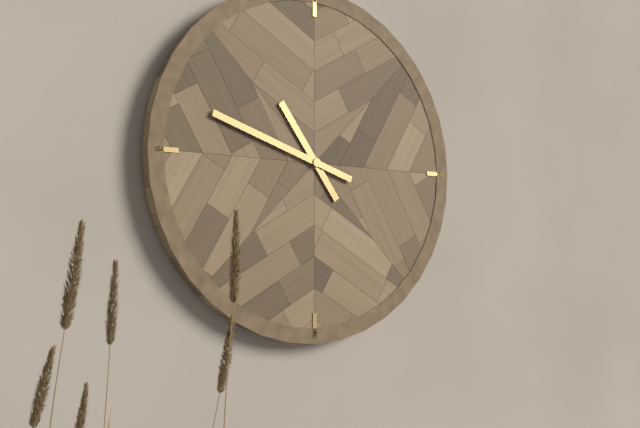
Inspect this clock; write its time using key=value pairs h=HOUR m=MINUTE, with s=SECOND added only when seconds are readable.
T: h=10 m=48
